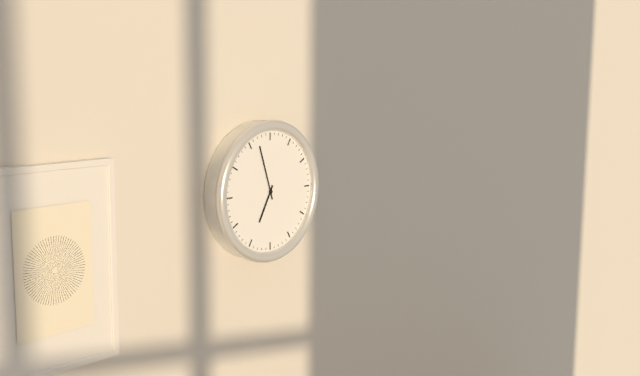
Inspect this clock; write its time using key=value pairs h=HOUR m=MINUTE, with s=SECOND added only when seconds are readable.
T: h=6 m=57
